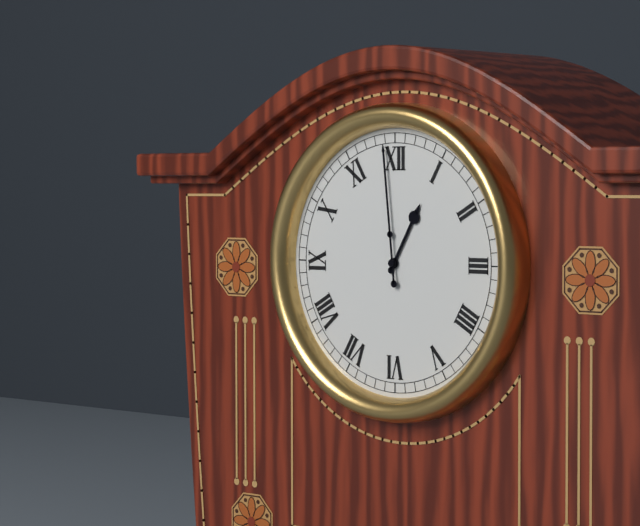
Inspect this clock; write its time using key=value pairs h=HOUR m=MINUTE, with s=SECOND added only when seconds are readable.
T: h=12 m=59
